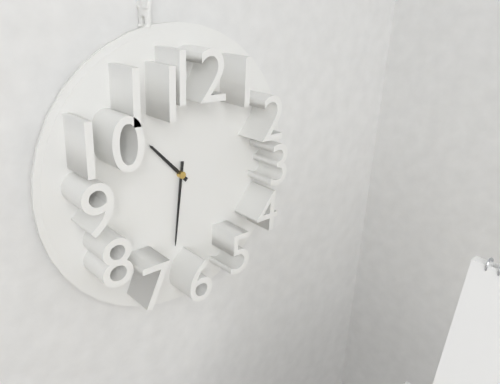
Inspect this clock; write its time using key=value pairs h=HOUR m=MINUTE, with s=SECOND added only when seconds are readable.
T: h=10 m=31
